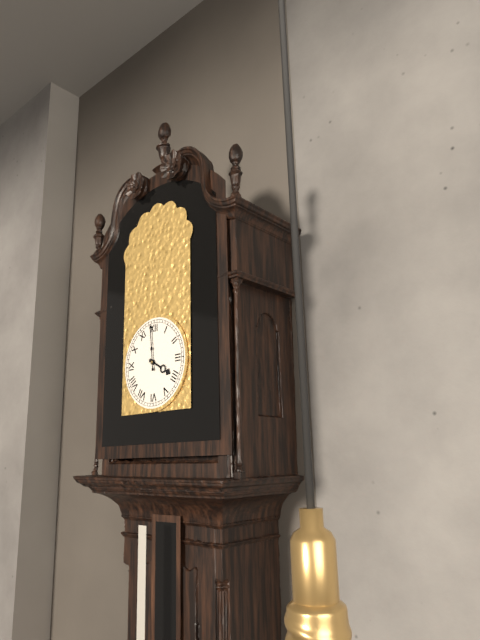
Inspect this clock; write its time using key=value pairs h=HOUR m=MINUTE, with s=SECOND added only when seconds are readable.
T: h=3 m=59
